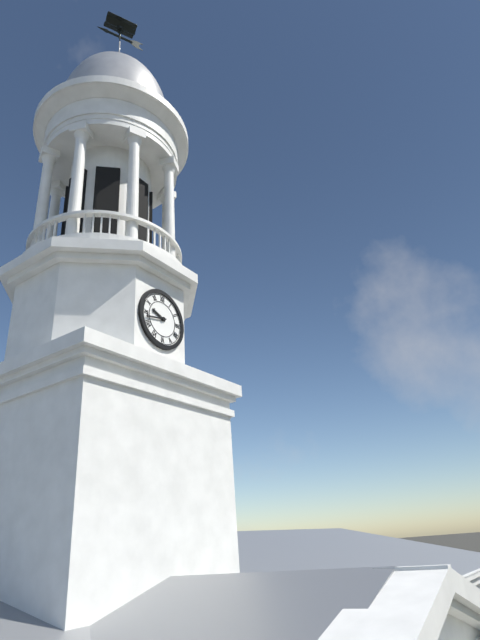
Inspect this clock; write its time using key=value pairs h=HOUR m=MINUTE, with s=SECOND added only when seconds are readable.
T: h=9 m=43
